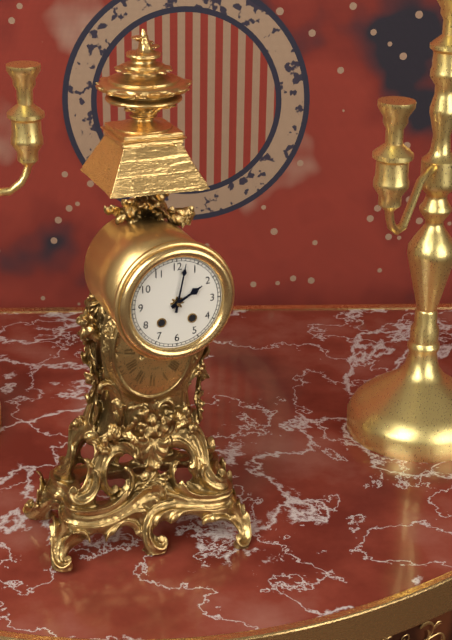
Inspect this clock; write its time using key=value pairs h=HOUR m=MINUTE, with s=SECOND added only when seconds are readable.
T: h=2 m=2
